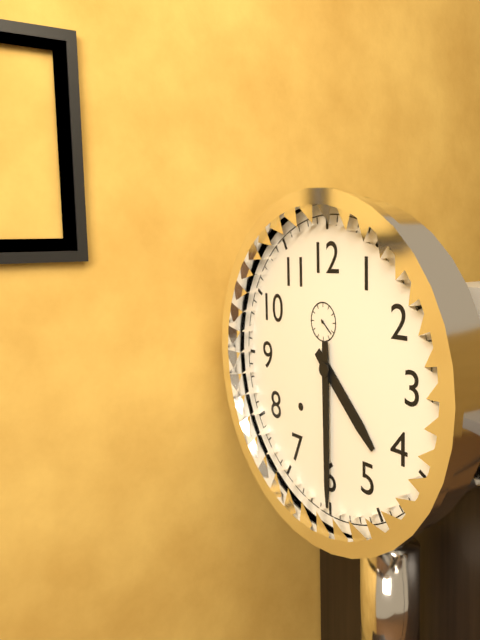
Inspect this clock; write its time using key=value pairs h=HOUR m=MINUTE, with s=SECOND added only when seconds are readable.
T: h=4 m=30
